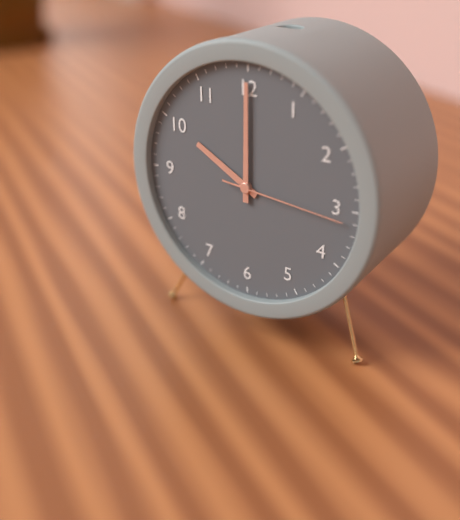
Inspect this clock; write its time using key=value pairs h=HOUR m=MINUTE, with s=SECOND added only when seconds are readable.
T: h=10 m=0 s=16
